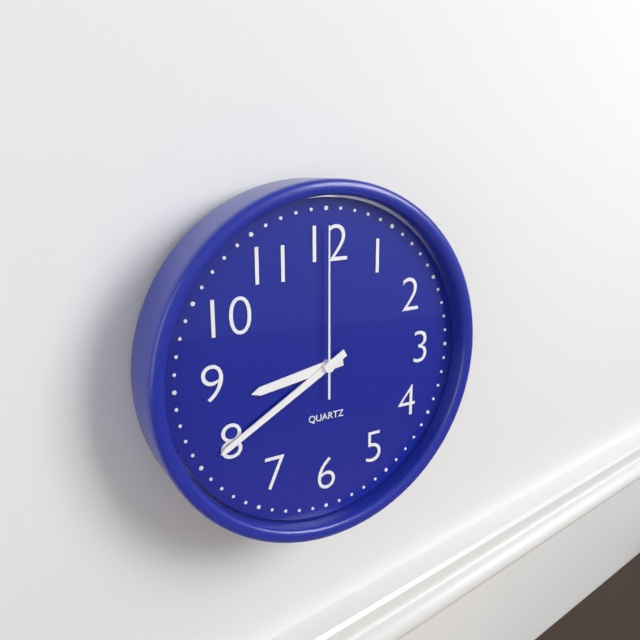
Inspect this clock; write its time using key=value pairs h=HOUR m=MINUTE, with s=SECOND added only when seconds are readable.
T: h=8 m=40 s=0
